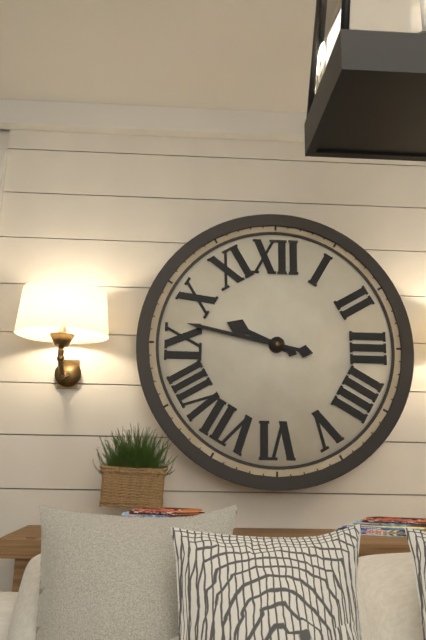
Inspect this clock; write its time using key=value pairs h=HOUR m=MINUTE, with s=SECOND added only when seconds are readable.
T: h=9 m=47
